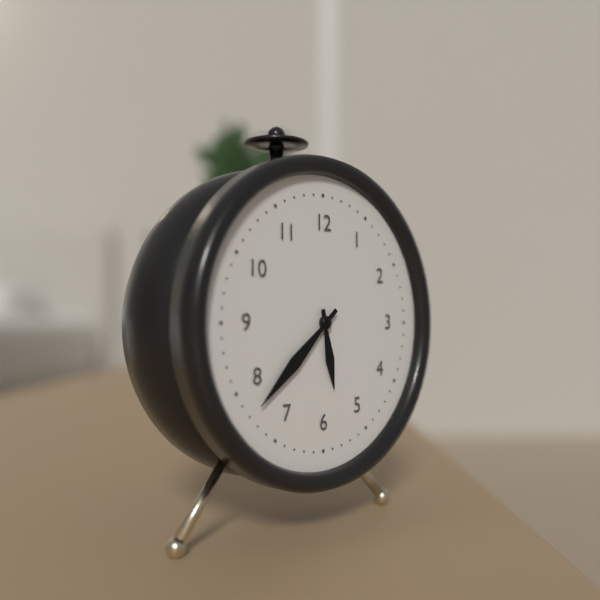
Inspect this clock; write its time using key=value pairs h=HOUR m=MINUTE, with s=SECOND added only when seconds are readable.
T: h=5 m=38
